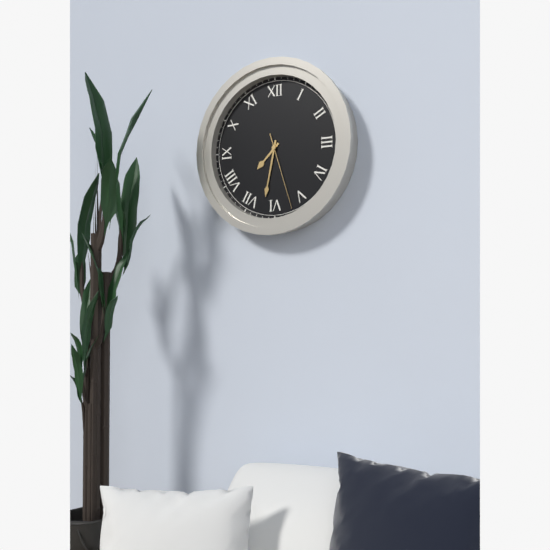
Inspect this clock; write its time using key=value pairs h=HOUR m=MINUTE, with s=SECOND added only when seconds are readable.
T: h=7 m=32 s=27
